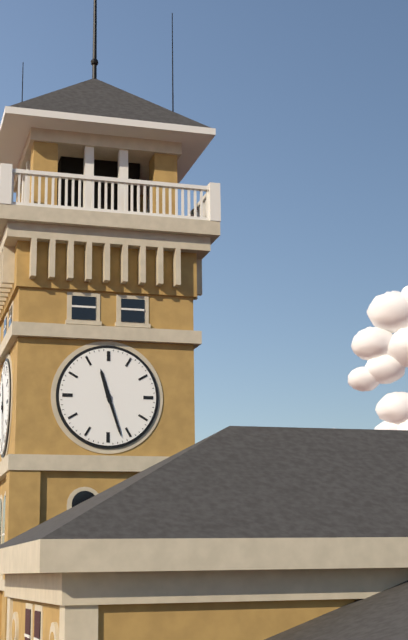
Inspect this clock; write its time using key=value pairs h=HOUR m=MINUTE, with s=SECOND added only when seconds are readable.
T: h=11 m=27
